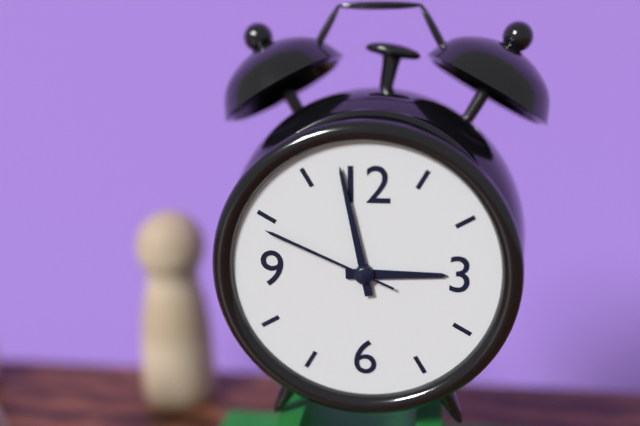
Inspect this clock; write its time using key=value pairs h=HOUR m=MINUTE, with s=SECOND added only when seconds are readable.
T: h=2 m=58 s=49
